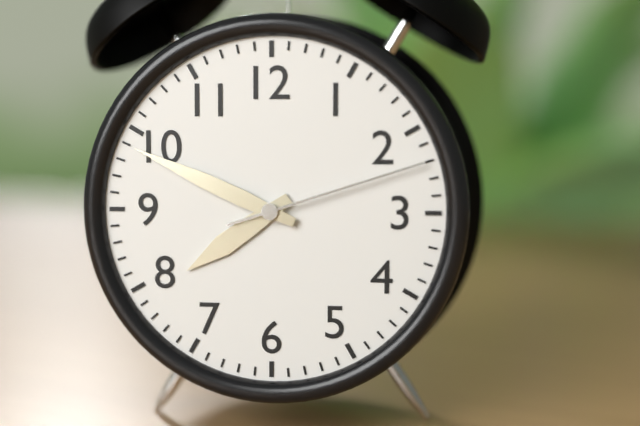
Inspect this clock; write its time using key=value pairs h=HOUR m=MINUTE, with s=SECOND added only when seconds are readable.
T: h=7 m=49 s=12
